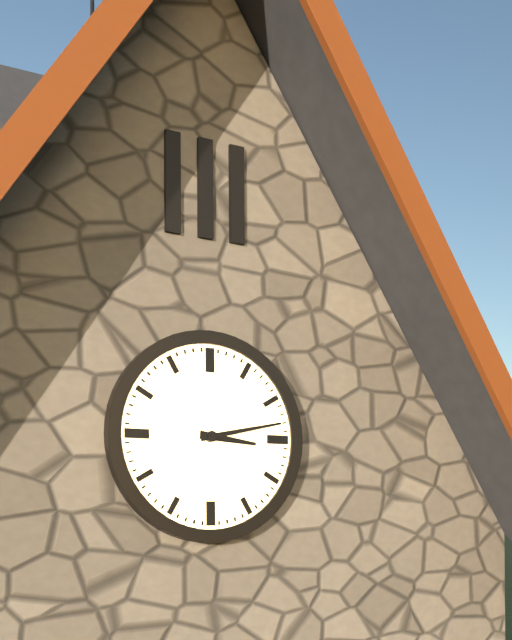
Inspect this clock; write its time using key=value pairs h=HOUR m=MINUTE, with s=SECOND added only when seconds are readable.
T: h=3 m=13
